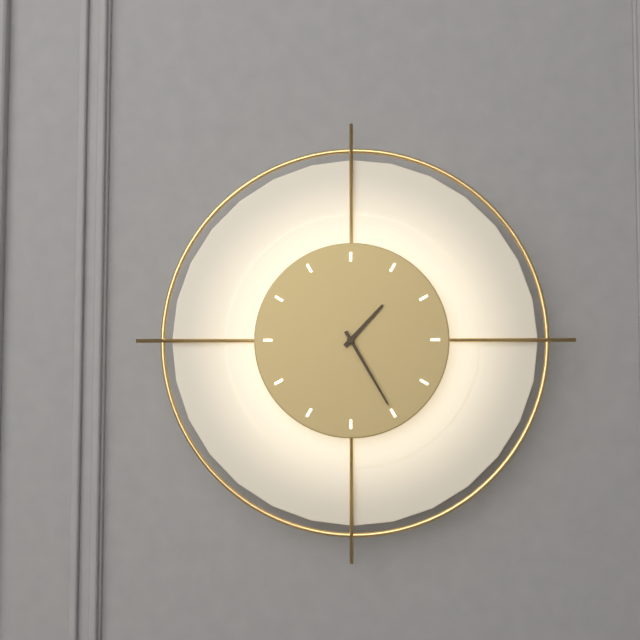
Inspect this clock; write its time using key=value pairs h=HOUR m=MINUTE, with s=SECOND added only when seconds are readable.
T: h=1 m=25
